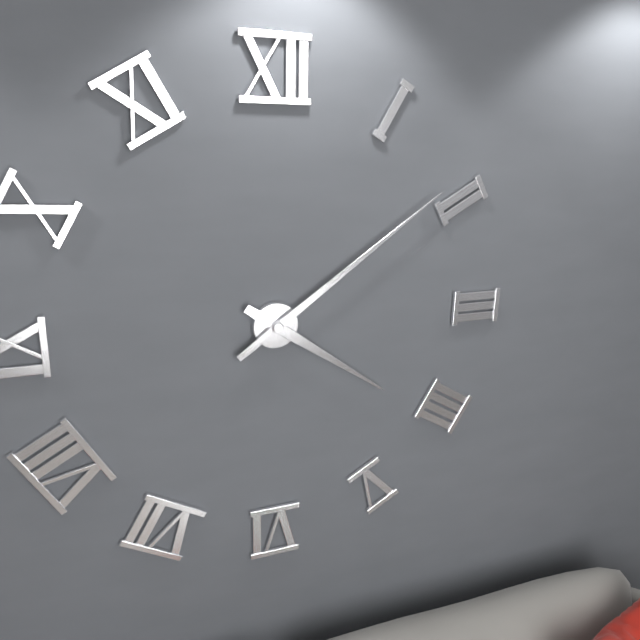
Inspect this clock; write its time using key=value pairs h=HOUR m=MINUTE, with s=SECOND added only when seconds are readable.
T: h=4 m=9
